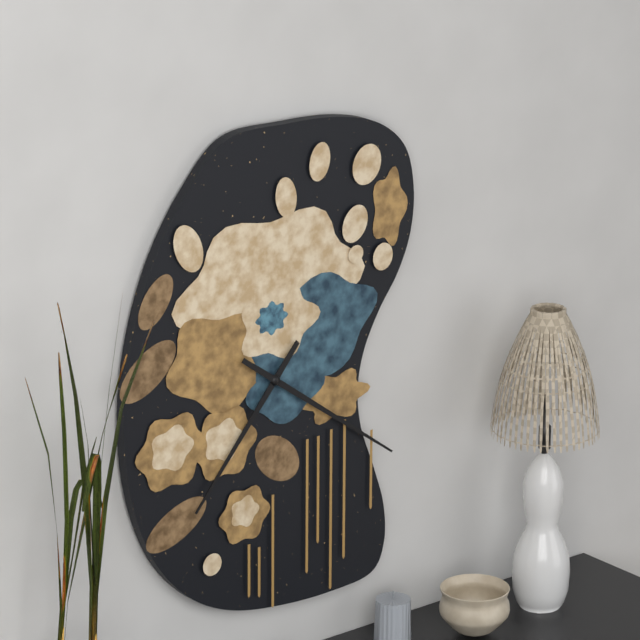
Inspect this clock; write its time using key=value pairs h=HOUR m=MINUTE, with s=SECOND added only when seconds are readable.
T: h=7 m=21
